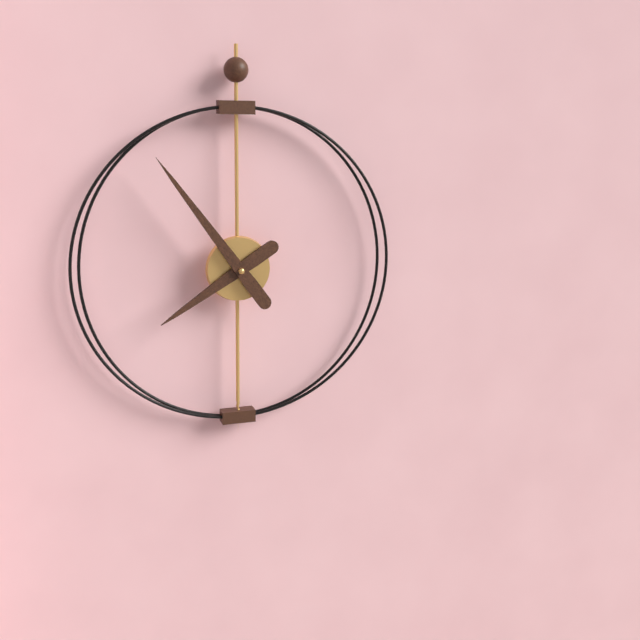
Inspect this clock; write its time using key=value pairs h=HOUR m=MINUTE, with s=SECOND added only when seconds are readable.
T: h=7 m=54
